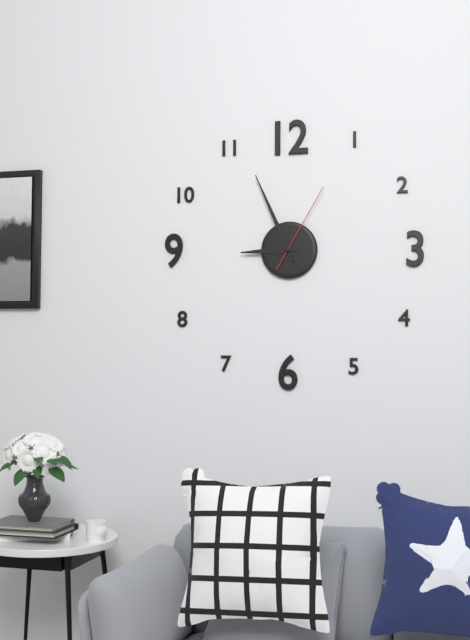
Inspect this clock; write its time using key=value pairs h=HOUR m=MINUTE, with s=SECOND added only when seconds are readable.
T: h=8 m=56 s=5
